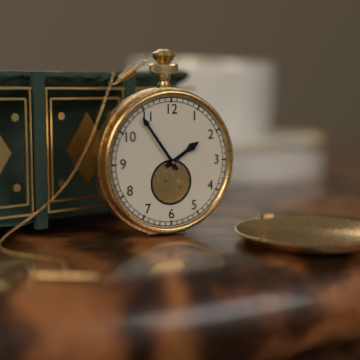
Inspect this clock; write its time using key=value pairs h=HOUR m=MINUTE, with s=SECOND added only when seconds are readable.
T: h=1 m=54
